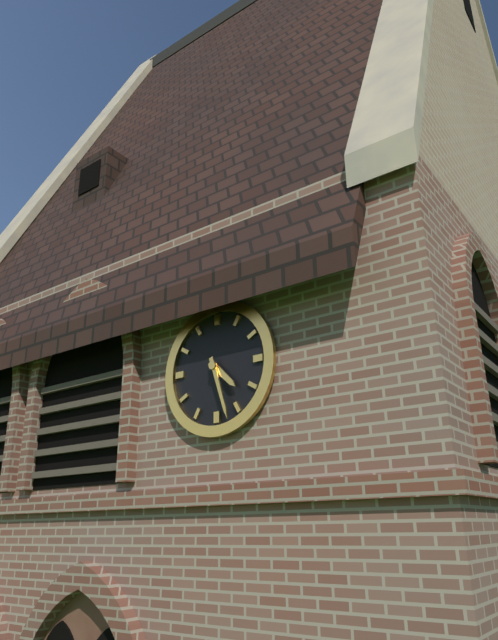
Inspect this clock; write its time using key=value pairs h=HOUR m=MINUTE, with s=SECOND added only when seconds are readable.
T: h=4 m=27
